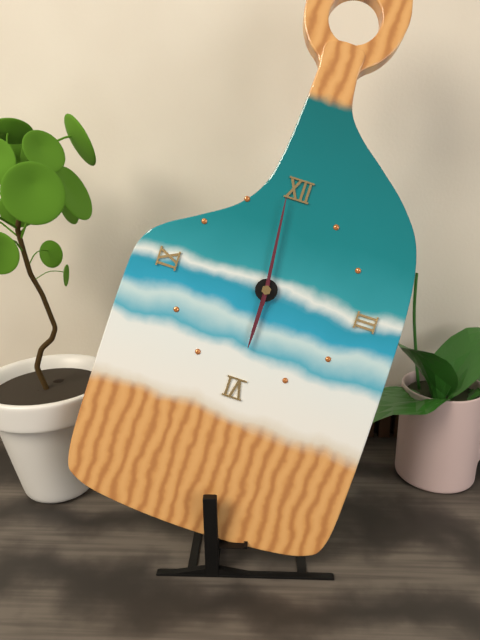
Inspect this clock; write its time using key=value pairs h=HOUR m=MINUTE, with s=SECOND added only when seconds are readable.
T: h=5 m=59
